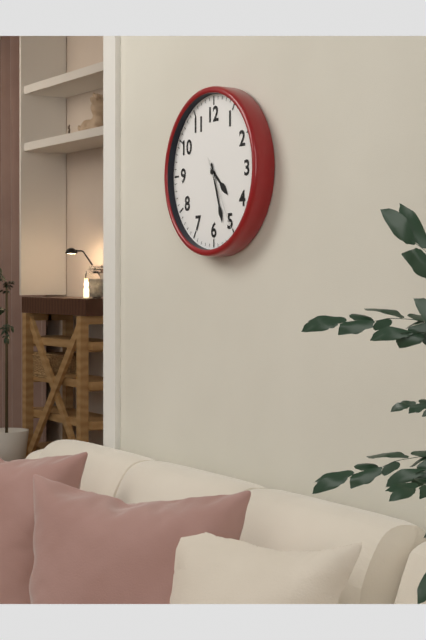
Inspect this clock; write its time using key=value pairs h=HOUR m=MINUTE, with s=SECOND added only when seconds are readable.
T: h=4 m=27 s=25
